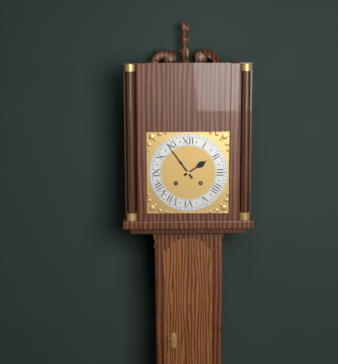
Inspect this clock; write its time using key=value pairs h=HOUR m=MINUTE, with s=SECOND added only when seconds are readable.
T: h=1 m=54
